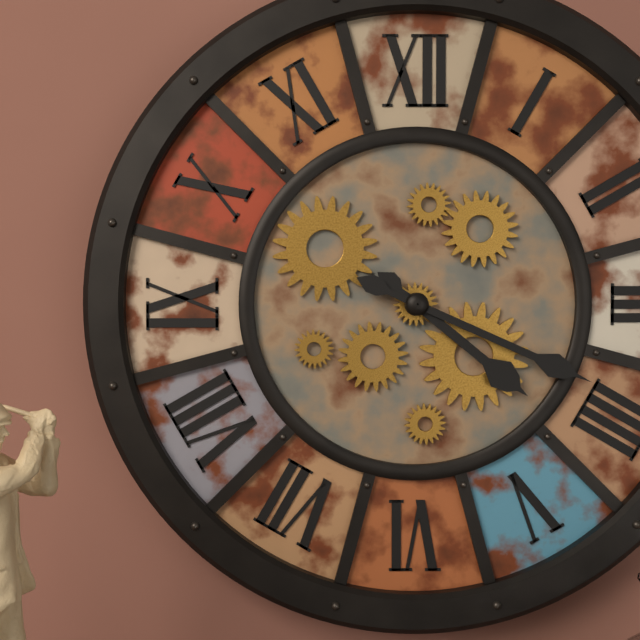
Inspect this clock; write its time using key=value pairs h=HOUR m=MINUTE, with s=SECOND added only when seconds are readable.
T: h=4 m=19
